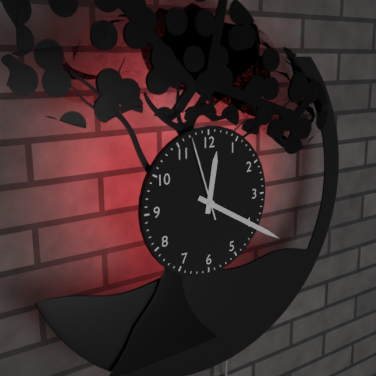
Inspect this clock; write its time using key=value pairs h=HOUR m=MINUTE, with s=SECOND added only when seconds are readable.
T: h=12 m=20 s=57
